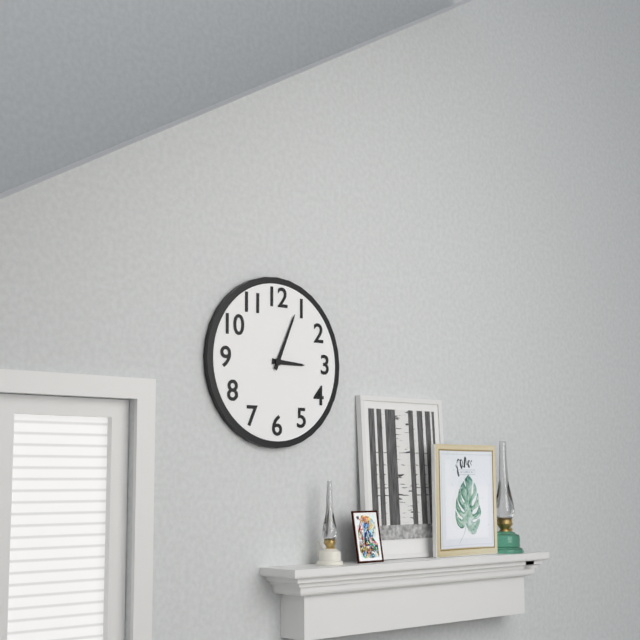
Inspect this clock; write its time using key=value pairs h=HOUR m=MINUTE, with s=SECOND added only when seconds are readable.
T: h=3 m=4
